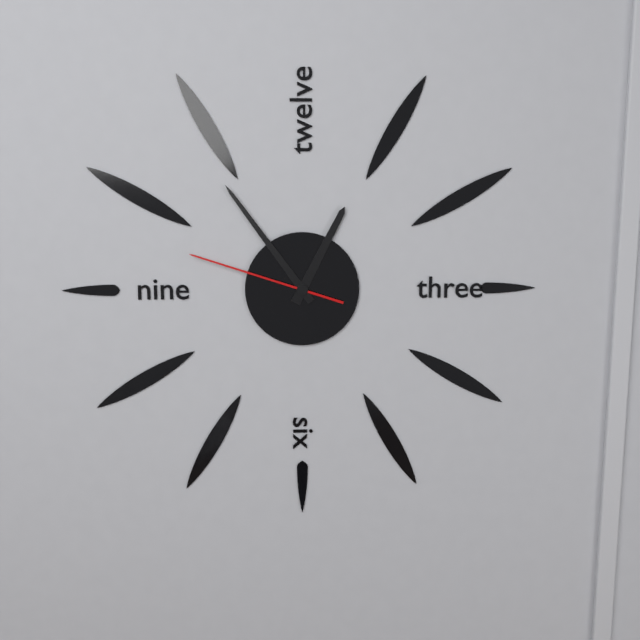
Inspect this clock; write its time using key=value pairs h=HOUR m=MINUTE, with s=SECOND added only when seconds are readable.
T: h=12 m=54 s=48
